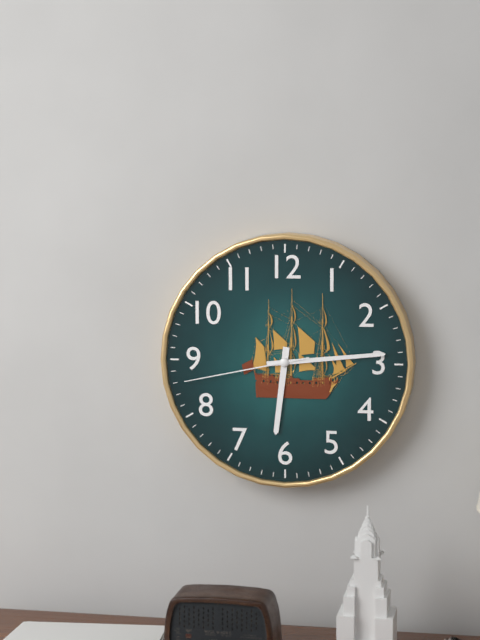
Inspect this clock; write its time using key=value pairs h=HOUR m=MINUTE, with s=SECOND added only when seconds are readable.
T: h=6 m=14 s=43
